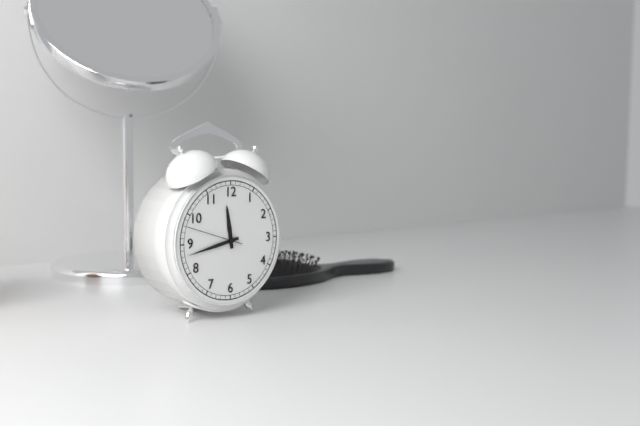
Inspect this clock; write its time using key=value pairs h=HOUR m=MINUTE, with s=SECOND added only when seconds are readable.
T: h=11 m=43 s=48
